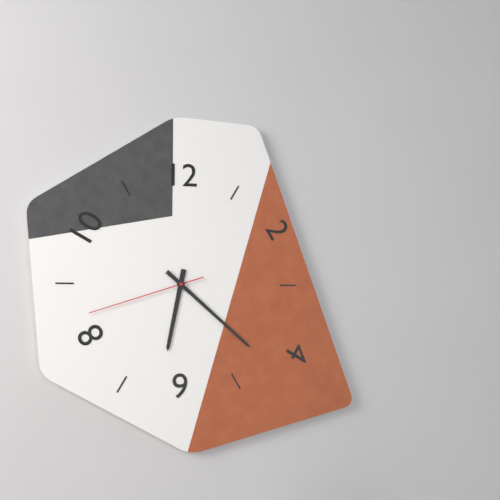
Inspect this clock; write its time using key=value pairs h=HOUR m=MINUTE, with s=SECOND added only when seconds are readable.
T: h=6 m=22 s=42
